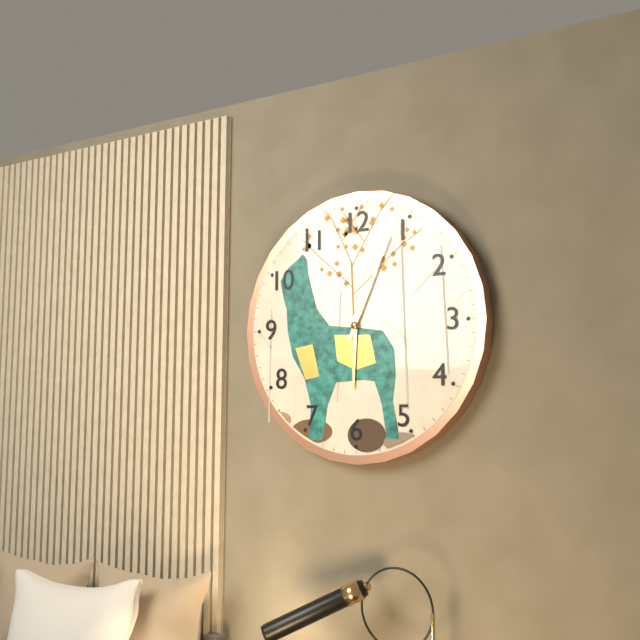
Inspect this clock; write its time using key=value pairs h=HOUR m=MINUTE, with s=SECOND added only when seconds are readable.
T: h=6 m=4
